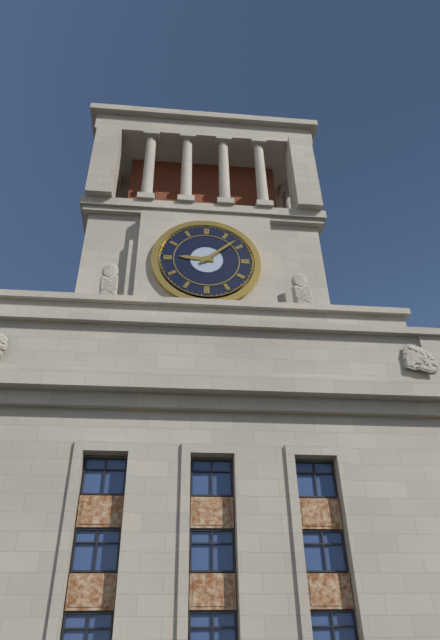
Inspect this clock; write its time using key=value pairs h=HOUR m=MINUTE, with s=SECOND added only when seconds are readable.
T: h=9 m=8
